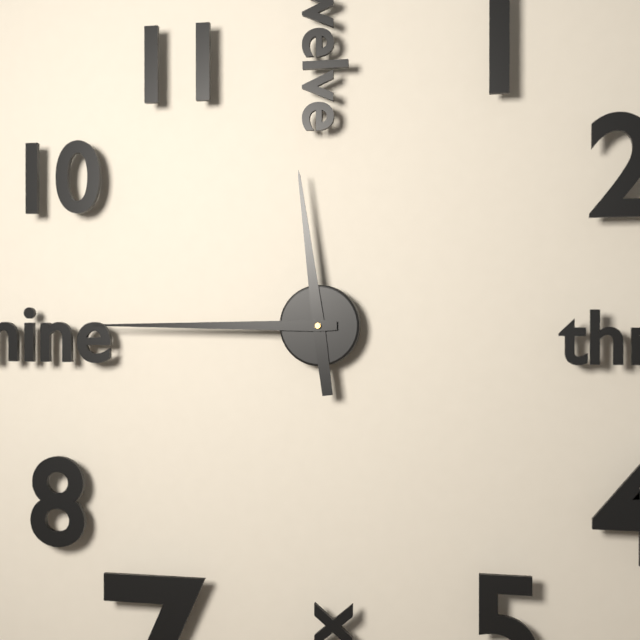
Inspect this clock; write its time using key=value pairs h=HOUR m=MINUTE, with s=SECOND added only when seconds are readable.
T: h=11 m=45
